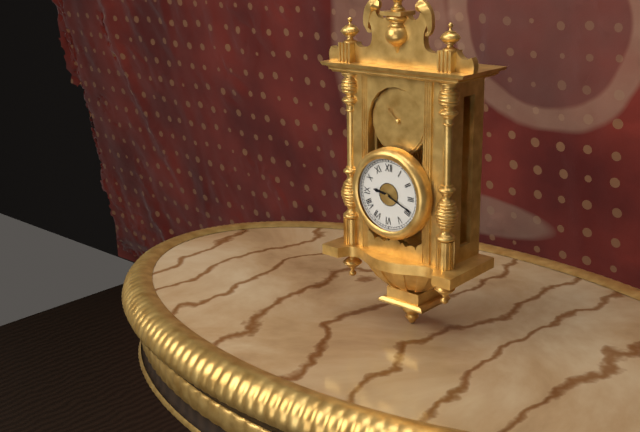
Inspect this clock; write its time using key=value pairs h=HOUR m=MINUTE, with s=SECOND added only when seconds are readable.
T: h=9 m=19
